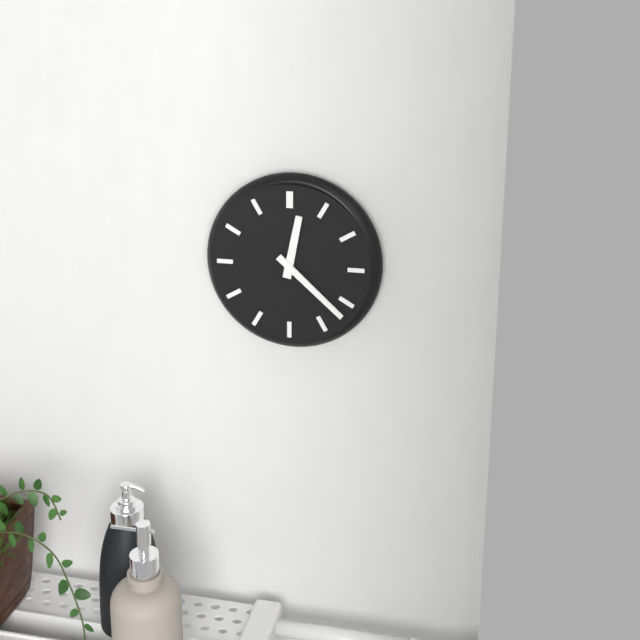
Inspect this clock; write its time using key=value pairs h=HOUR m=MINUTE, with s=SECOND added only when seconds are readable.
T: h=12 m=22
